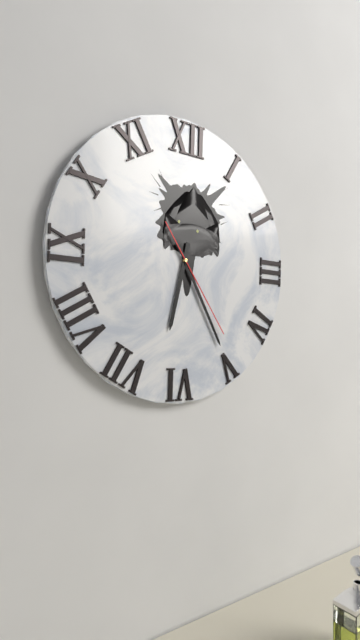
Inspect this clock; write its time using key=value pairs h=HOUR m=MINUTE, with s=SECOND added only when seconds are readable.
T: h=6 m=25 s=24
